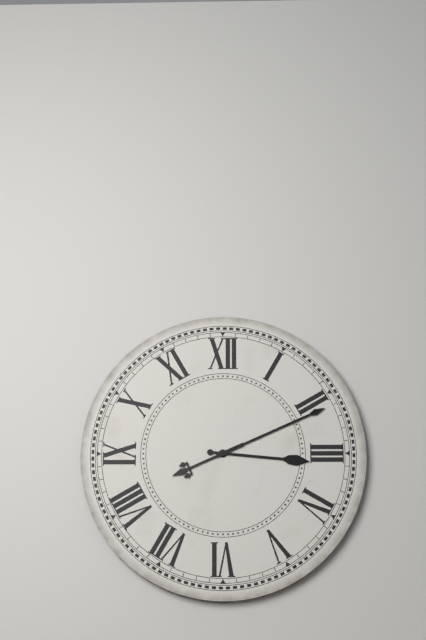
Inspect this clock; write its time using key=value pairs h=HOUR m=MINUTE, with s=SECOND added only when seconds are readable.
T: h=3 m=11
